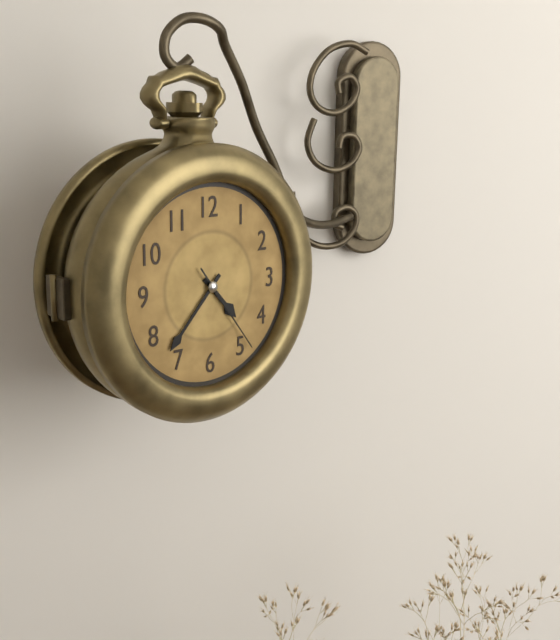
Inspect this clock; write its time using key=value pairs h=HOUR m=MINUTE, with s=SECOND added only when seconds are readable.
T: h=4 m=37 s=24
